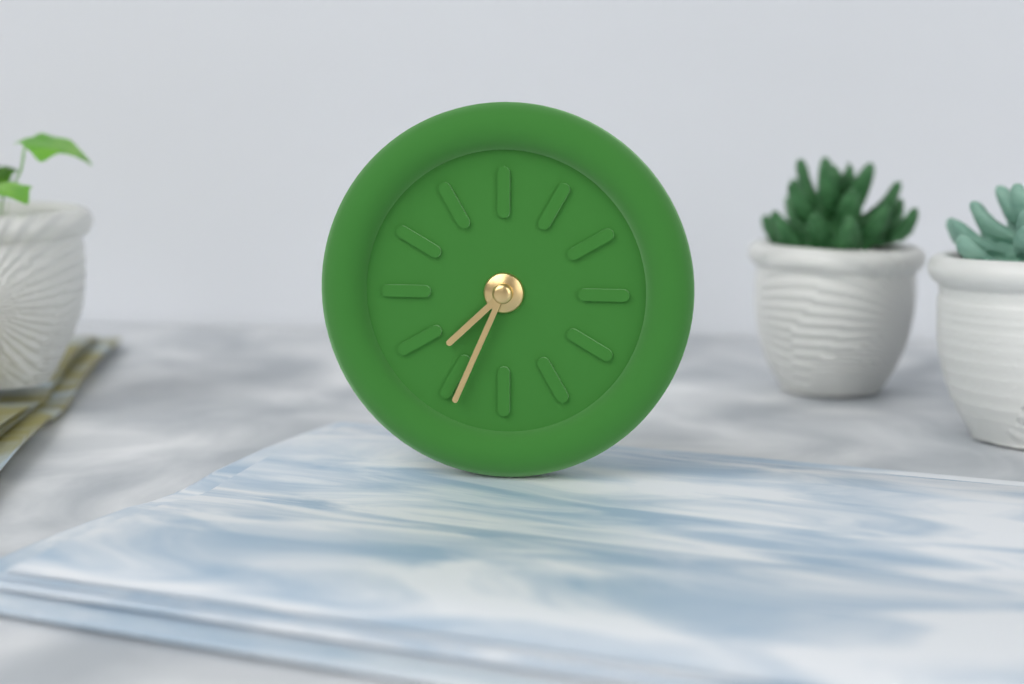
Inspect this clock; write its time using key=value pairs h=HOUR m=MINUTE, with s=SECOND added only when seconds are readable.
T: h=7 m=34
